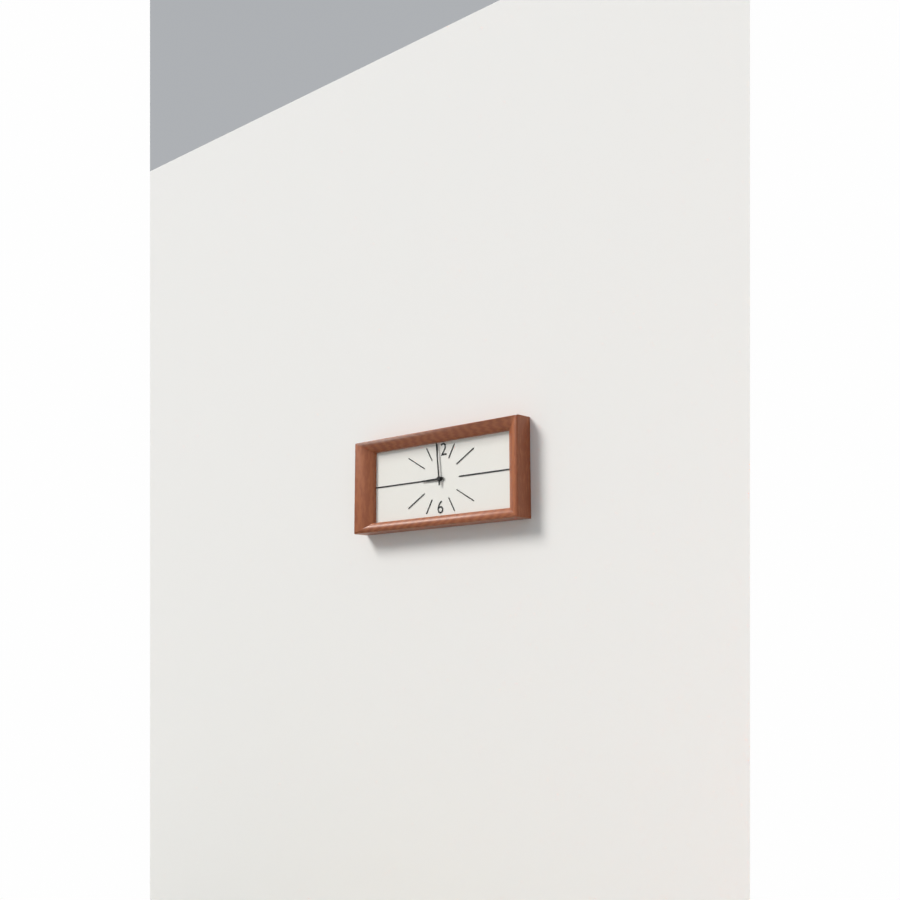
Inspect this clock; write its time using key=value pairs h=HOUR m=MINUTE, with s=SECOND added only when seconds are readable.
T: h=8 m=59
